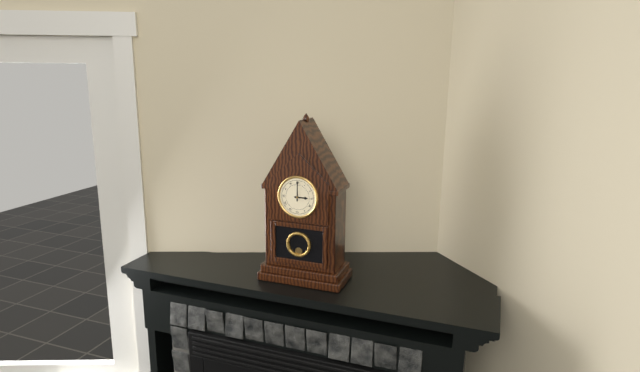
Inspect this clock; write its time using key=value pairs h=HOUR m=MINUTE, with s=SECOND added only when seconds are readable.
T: h=3 m=0
